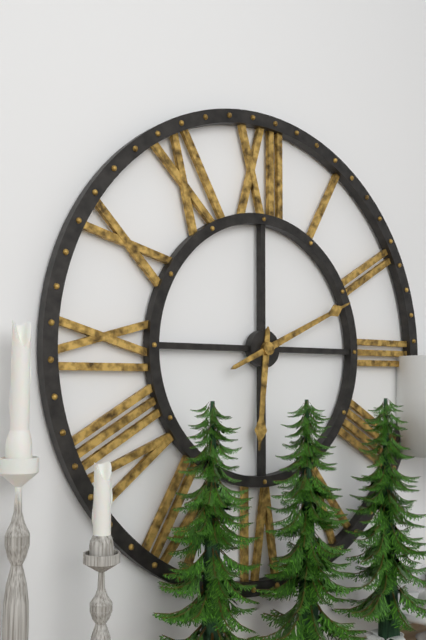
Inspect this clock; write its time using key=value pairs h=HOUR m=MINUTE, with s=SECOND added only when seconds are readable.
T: h=6 m=11
